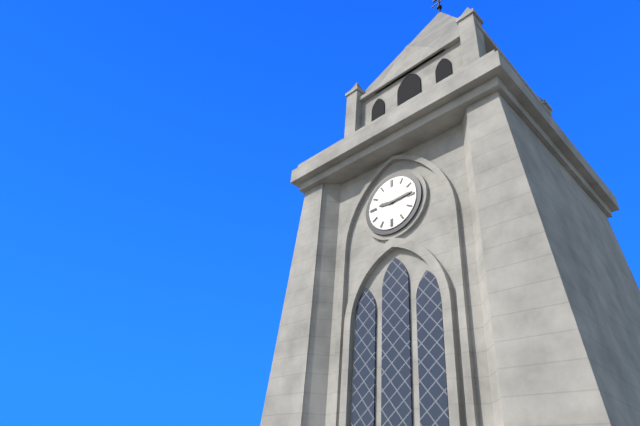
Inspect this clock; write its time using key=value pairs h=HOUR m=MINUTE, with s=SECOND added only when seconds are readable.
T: h=9 m=14
